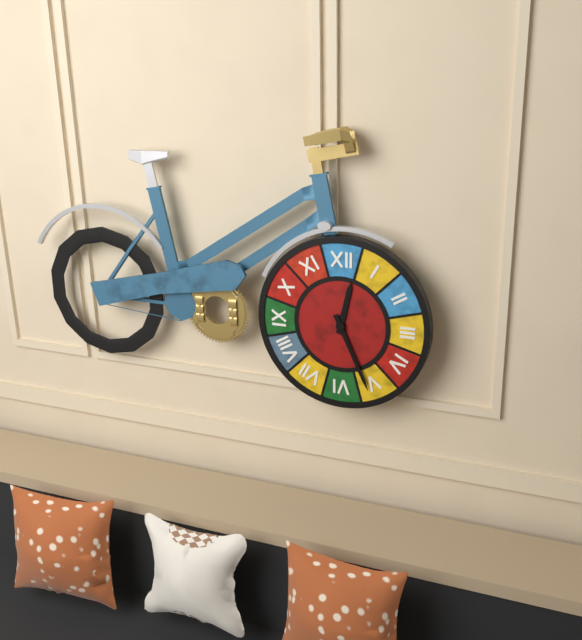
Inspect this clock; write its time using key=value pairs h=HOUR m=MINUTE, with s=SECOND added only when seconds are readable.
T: h=12 m=26
